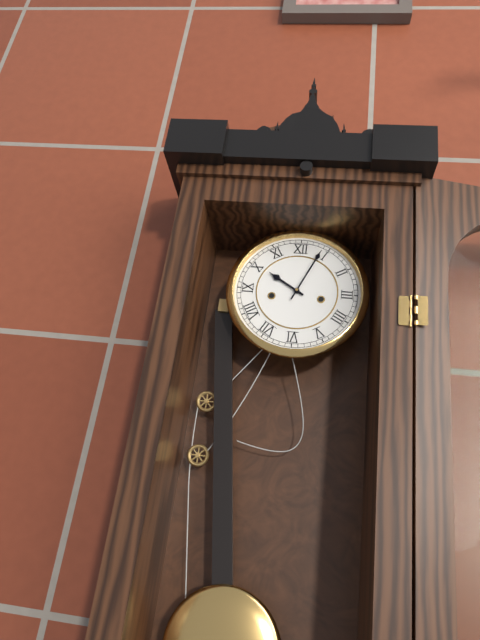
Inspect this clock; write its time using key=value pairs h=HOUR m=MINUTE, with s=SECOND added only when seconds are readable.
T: h=10 m=4
